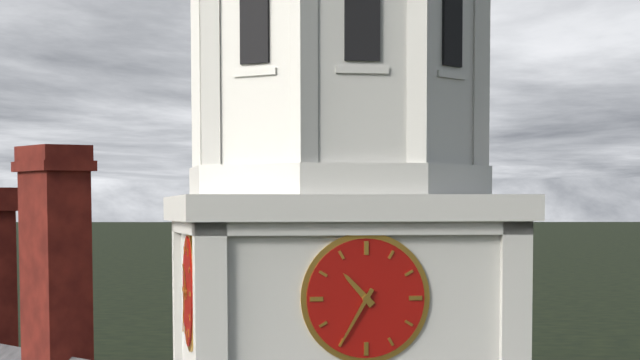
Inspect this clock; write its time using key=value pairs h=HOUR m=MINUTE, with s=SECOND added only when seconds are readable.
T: h=10 m=35
